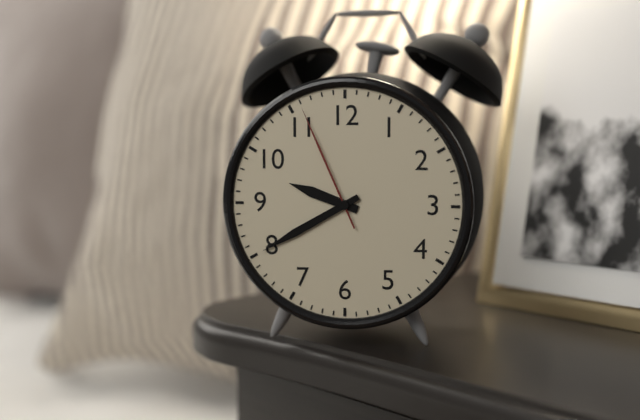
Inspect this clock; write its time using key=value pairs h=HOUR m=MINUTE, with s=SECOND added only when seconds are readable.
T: h=9 m=40 s=56
